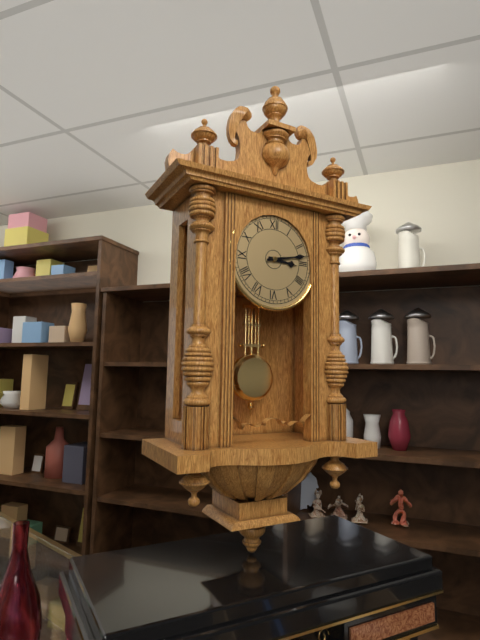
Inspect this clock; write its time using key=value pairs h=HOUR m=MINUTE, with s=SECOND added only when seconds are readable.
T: h=3 m=13
